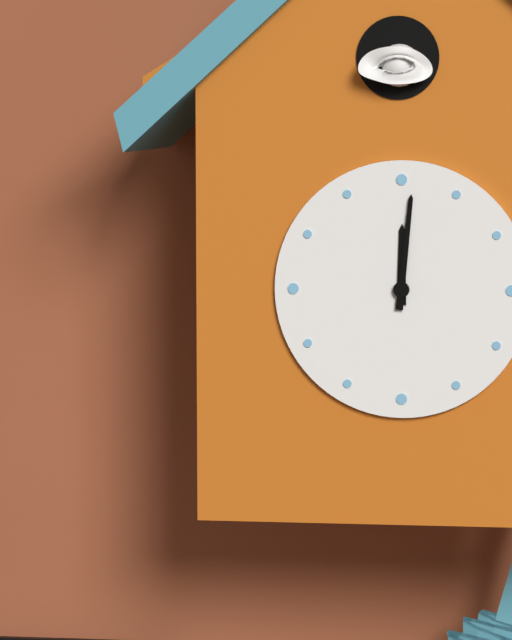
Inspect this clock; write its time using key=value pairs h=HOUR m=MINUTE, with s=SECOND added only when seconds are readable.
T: h=12 m=1
